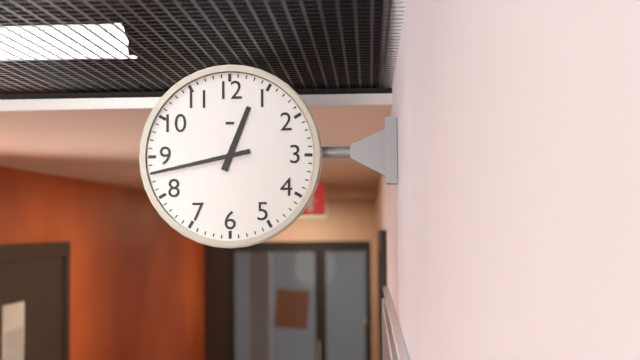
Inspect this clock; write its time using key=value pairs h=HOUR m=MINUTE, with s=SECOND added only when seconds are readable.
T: h=12 m=43
